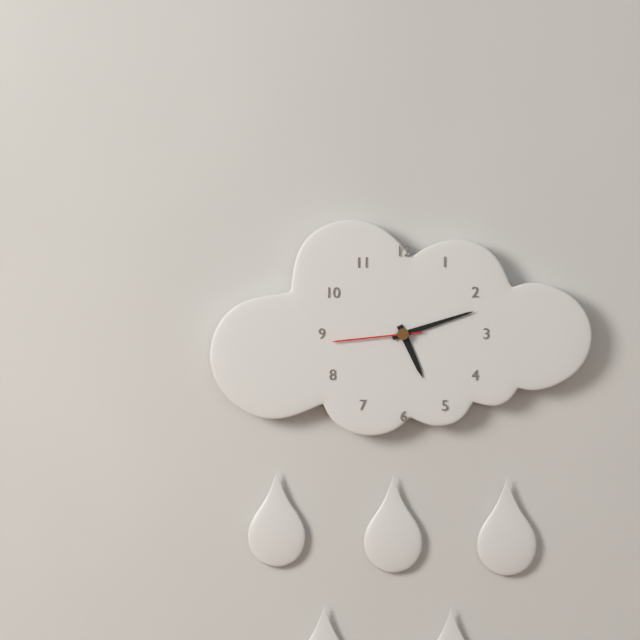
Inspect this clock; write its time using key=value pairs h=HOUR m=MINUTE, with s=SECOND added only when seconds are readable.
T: h=5 m=12 s=44
